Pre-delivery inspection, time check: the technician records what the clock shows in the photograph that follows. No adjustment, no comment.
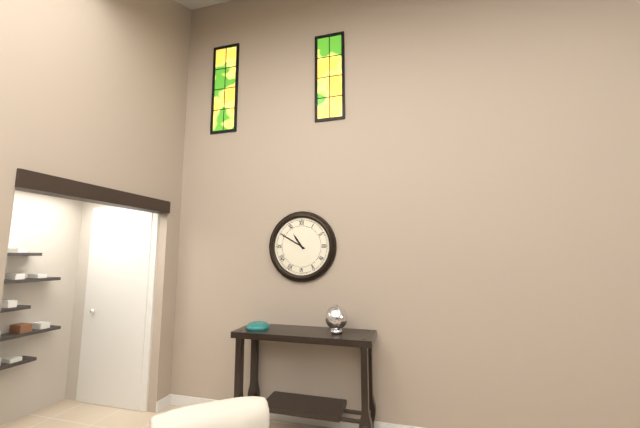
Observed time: 10:50
